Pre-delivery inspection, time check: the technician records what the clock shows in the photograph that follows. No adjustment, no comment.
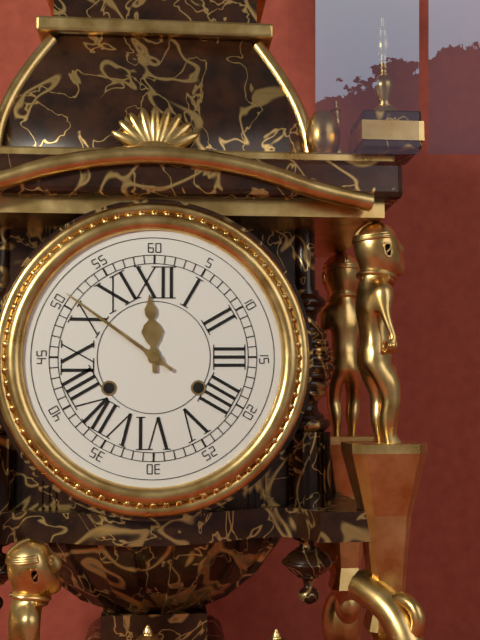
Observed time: 11:51
